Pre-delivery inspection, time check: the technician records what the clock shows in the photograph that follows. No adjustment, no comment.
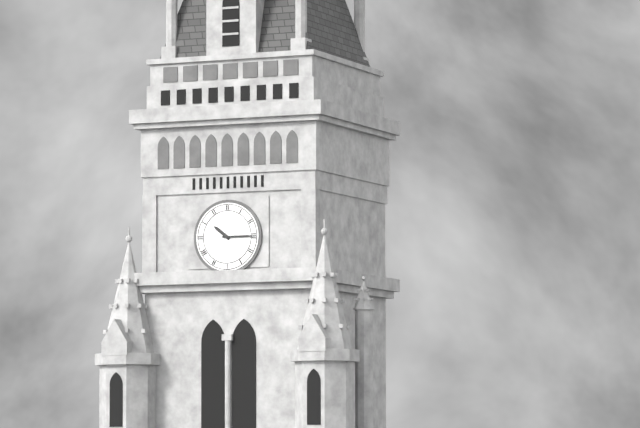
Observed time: 10:15
